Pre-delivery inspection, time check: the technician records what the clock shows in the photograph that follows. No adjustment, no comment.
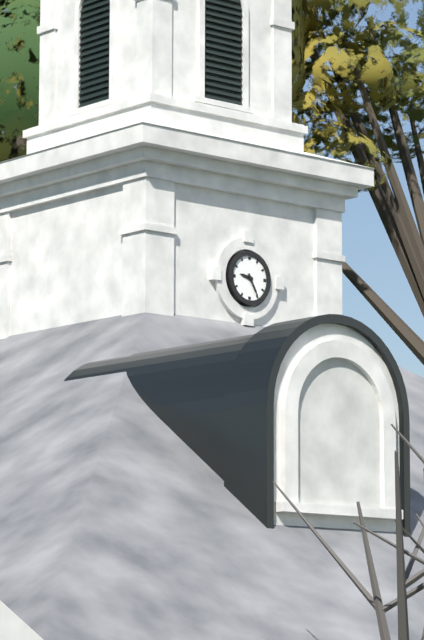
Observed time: 9:25
